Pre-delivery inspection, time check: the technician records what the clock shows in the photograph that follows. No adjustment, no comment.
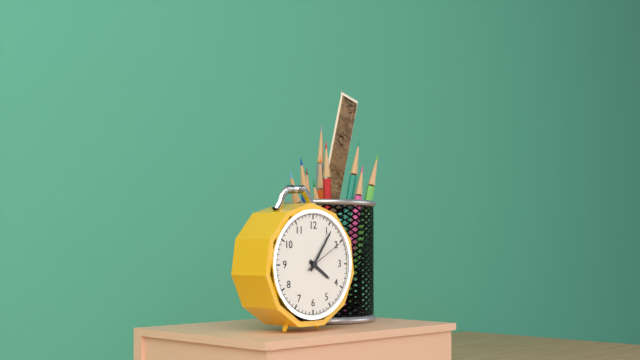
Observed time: 4:06
